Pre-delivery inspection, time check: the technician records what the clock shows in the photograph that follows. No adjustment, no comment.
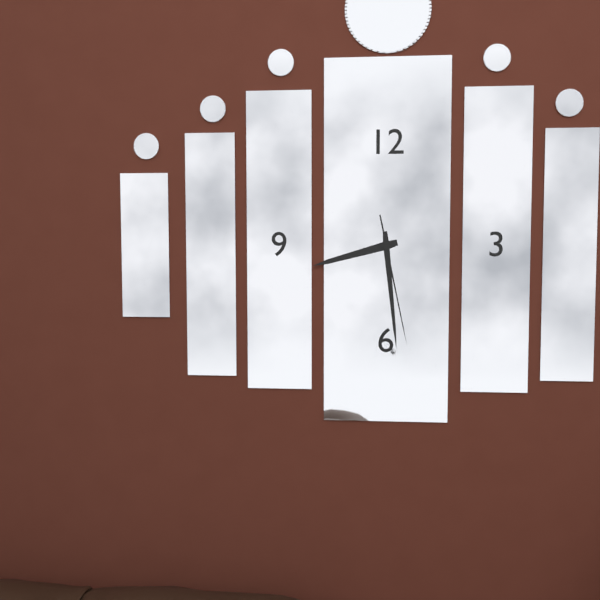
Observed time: 8:29:28
